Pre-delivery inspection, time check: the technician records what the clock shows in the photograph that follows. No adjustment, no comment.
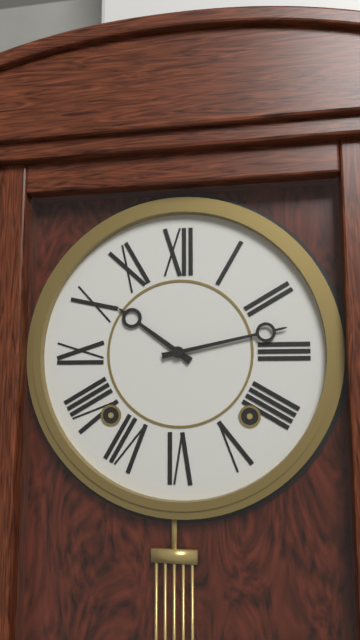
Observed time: 10:13
